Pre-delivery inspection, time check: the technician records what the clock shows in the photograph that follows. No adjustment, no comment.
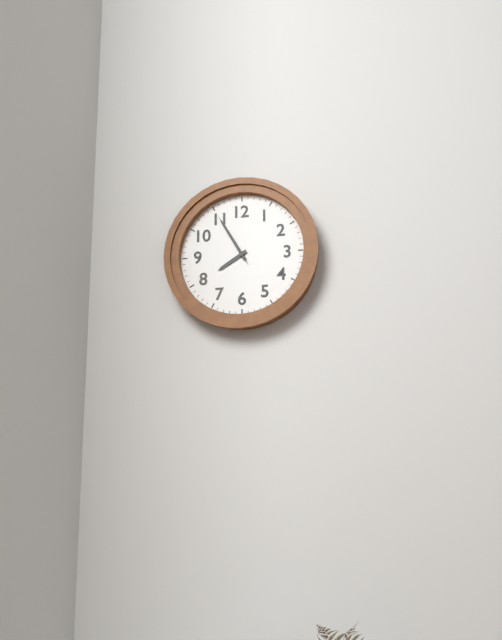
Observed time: 7:55:55
